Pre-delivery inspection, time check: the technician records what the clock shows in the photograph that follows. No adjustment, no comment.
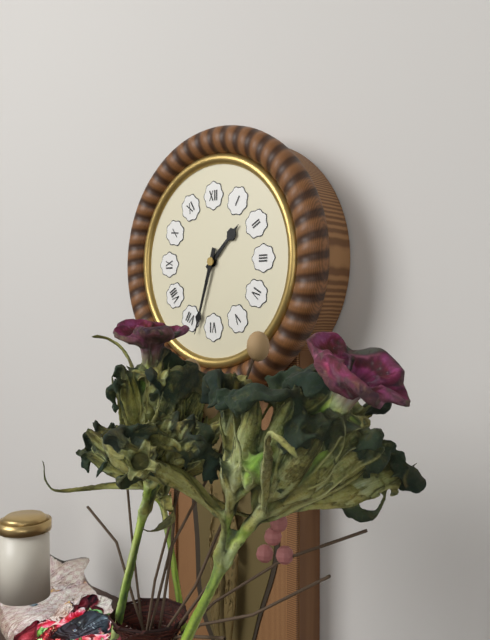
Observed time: 1:33
